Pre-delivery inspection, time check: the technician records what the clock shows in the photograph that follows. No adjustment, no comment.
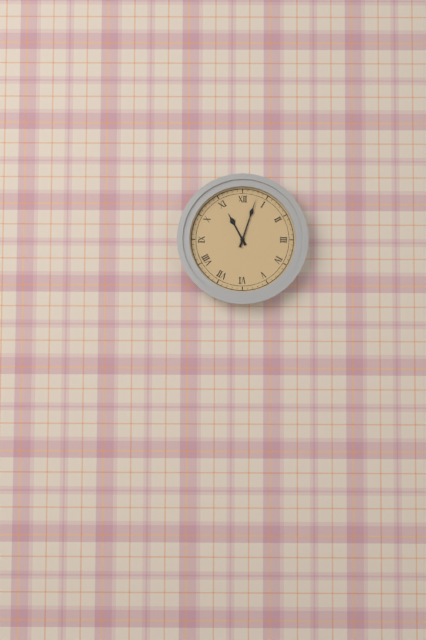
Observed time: 11:03
